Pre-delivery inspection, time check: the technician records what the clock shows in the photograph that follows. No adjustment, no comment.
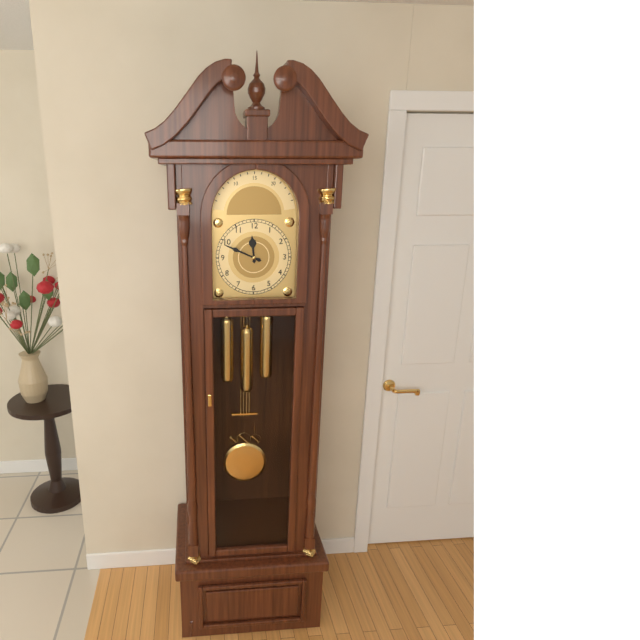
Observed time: 11:49
